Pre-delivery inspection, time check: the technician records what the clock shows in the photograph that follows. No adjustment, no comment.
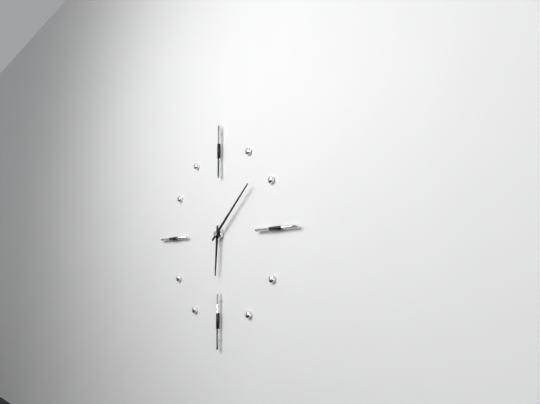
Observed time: 6:08
